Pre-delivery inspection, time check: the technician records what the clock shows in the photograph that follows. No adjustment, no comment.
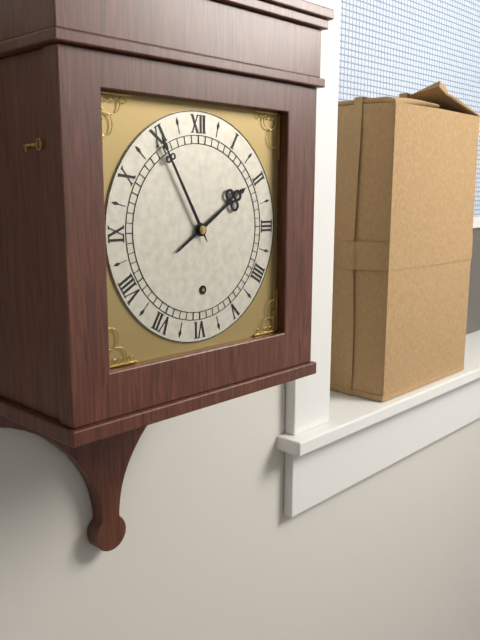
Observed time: 1:55
